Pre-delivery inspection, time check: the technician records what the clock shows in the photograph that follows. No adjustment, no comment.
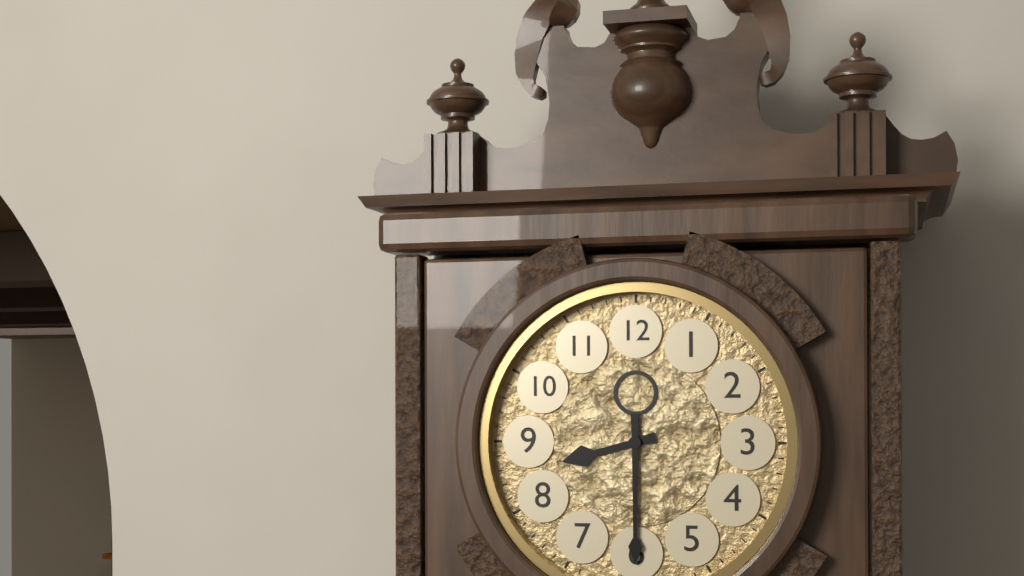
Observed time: 8:30
